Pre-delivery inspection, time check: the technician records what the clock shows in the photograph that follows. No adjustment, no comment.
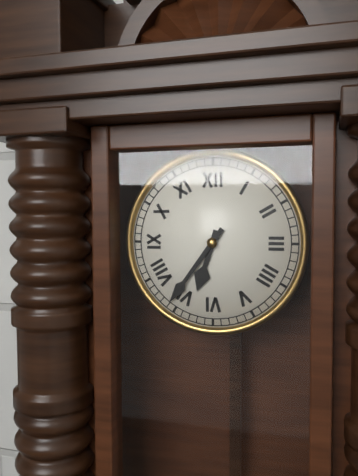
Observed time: 6:36
